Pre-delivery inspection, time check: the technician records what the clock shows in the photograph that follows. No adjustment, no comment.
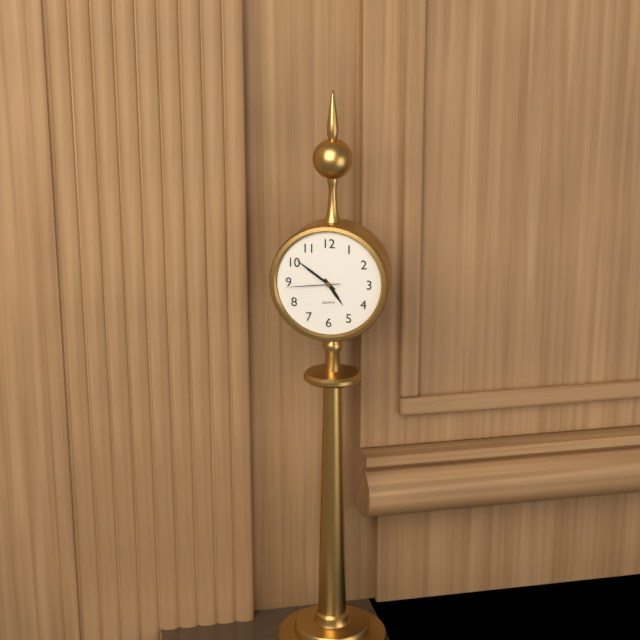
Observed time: 4:51:44
